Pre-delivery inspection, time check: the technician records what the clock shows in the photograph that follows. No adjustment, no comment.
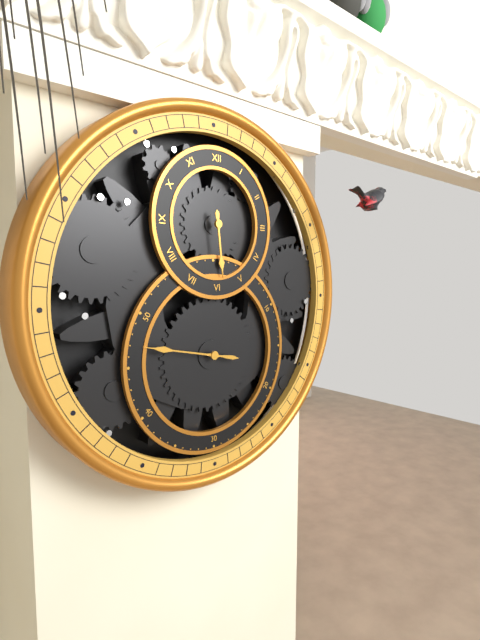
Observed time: 5:47
